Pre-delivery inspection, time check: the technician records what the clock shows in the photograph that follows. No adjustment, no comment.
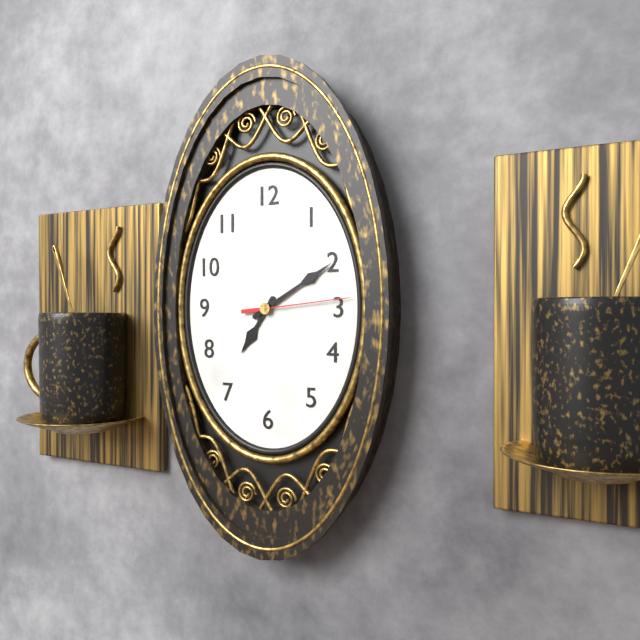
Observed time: 7:10:14
